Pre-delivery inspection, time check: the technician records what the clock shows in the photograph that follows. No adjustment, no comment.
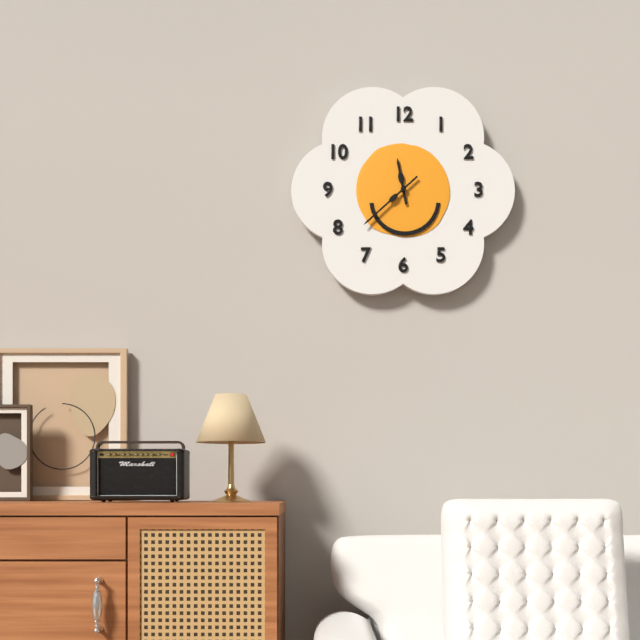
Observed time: 11:38
